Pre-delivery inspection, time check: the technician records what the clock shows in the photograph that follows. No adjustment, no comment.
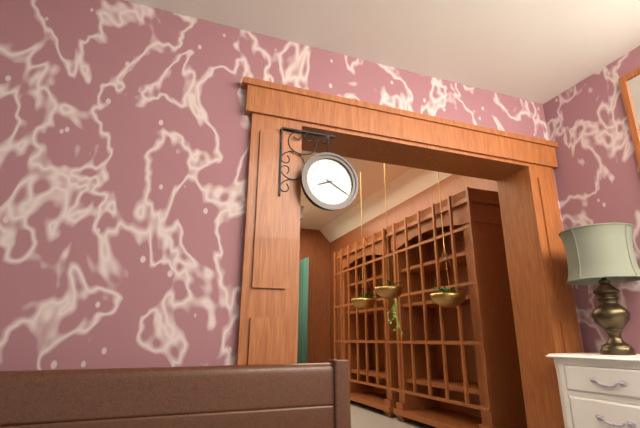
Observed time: 8:20
